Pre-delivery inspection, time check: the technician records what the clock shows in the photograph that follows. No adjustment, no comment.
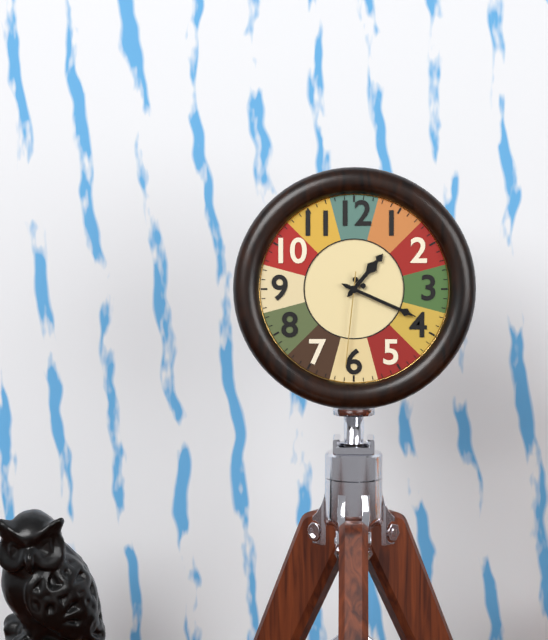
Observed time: 1:19:31
